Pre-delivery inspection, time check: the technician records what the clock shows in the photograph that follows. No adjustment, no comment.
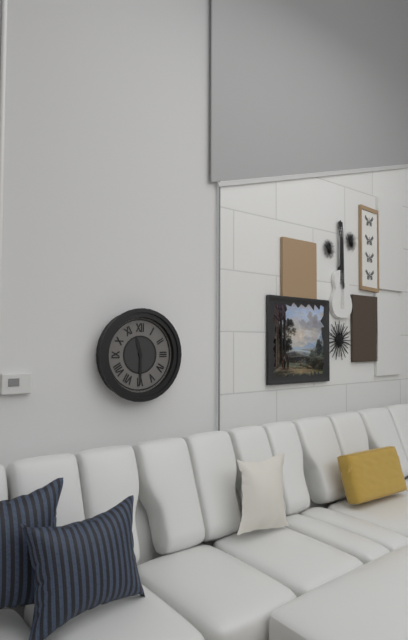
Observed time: 11:30
